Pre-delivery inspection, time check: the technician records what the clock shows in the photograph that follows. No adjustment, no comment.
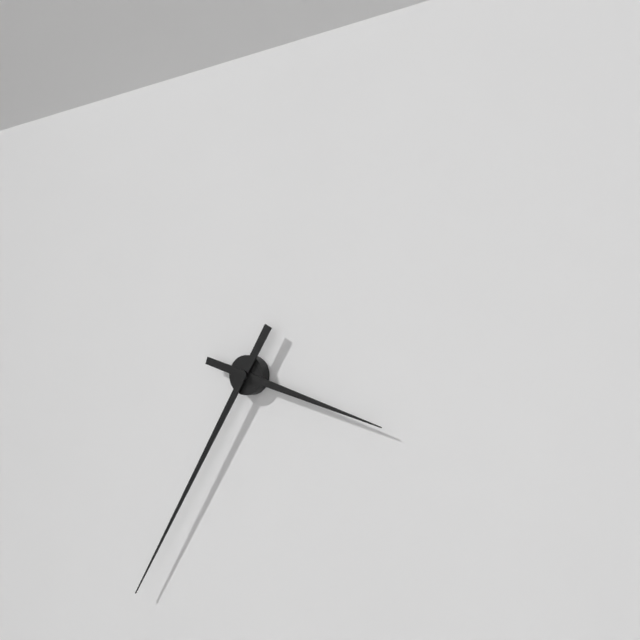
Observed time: 3:35
